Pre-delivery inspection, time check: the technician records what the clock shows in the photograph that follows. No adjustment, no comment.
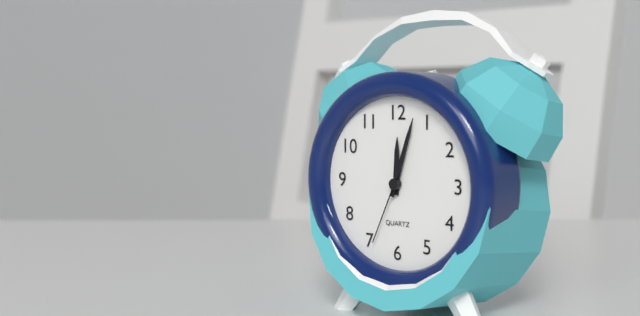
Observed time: 12:03:34
